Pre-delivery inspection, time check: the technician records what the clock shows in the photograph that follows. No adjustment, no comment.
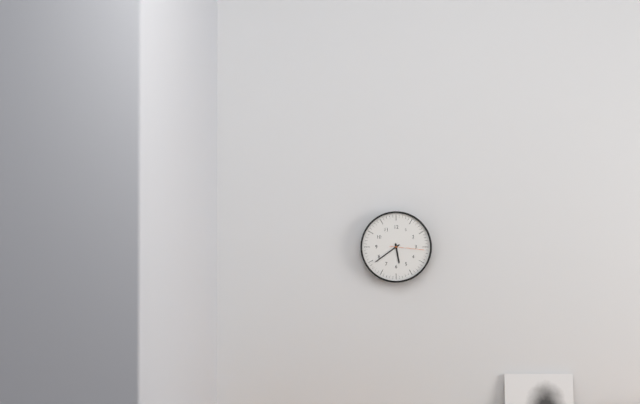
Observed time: 5:39
